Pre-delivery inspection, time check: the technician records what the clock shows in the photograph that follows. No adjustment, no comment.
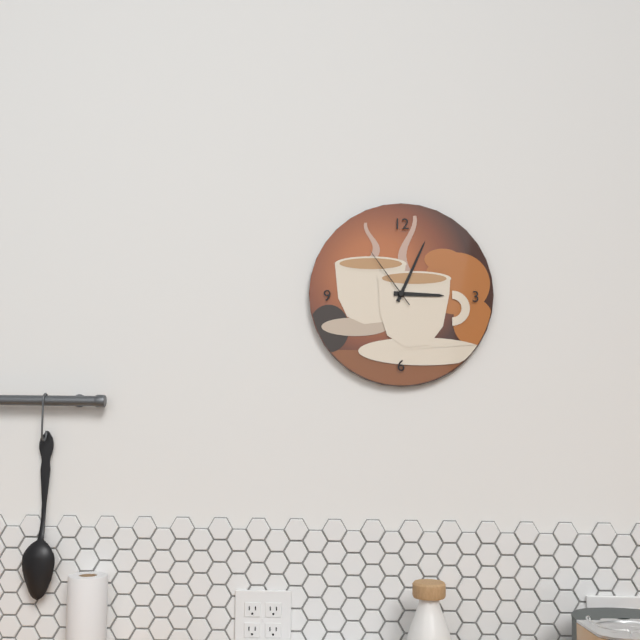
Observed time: 3:04:54
